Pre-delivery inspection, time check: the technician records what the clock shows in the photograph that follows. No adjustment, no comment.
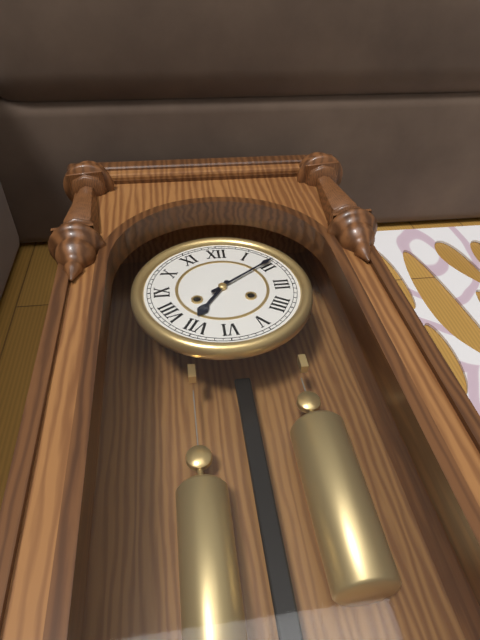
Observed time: 7:09
